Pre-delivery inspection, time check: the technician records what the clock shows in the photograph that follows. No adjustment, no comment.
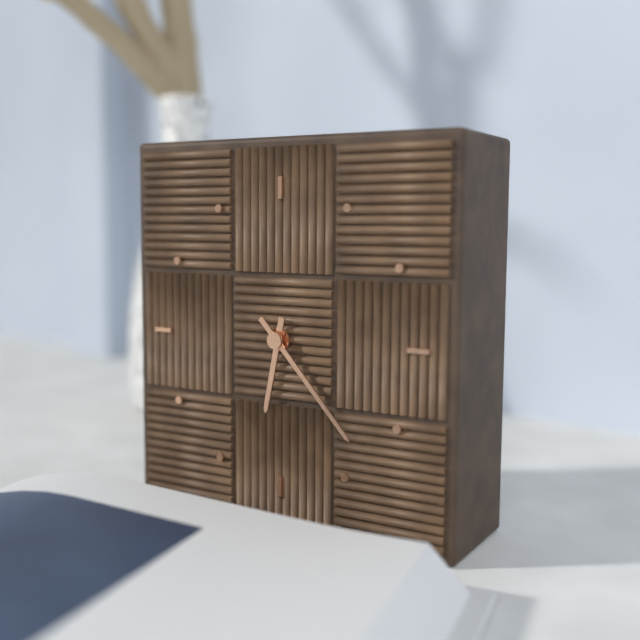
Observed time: 6:23
